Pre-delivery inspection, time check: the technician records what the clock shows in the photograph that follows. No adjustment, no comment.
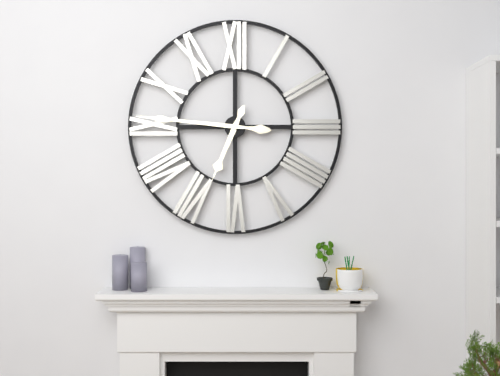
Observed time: 6:46
